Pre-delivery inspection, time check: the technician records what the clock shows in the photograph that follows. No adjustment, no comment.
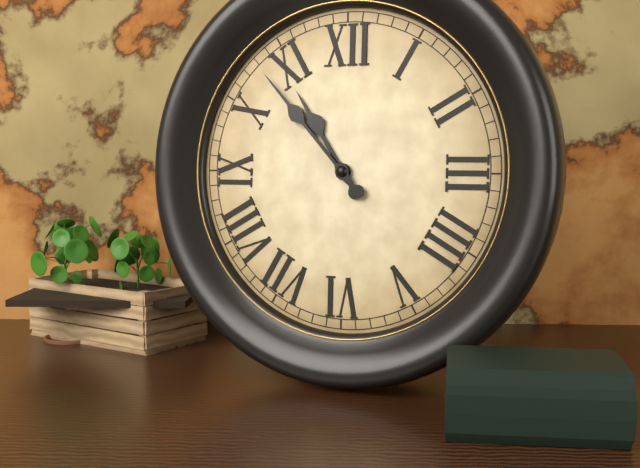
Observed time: 10:53
